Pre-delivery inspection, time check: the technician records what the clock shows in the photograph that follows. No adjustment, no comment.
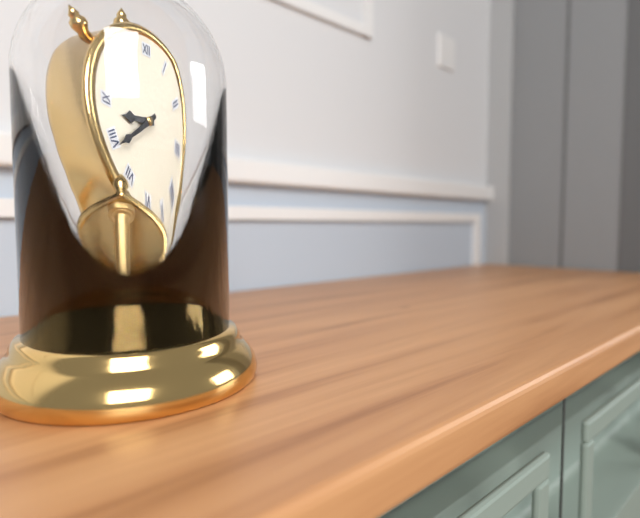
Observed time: 8:39
